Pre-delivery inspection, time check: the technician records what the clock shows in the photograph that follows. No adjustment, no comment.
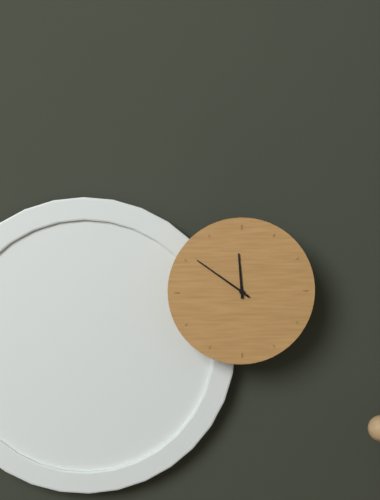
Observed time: 11:51
